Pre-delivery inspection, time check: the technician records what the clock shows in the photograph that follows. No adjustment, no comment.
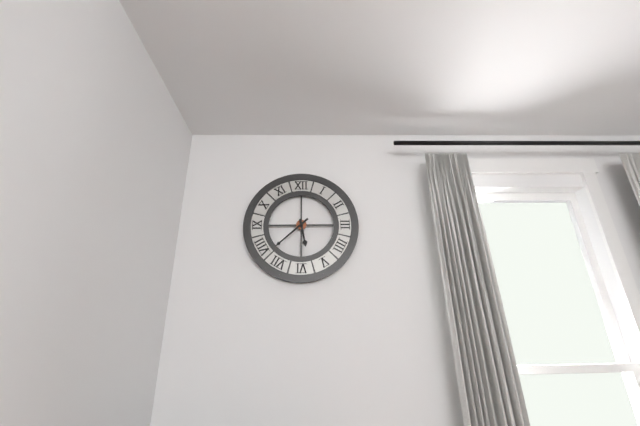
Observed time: 5:38
